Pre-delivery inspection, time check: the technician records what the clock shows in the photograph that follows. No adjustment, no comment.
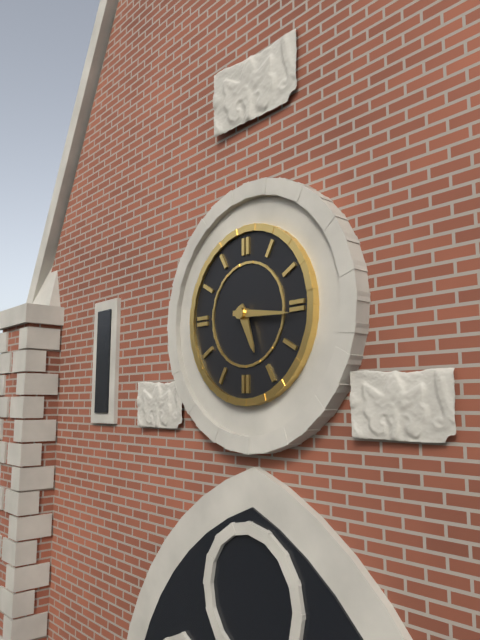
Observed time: 5:16
